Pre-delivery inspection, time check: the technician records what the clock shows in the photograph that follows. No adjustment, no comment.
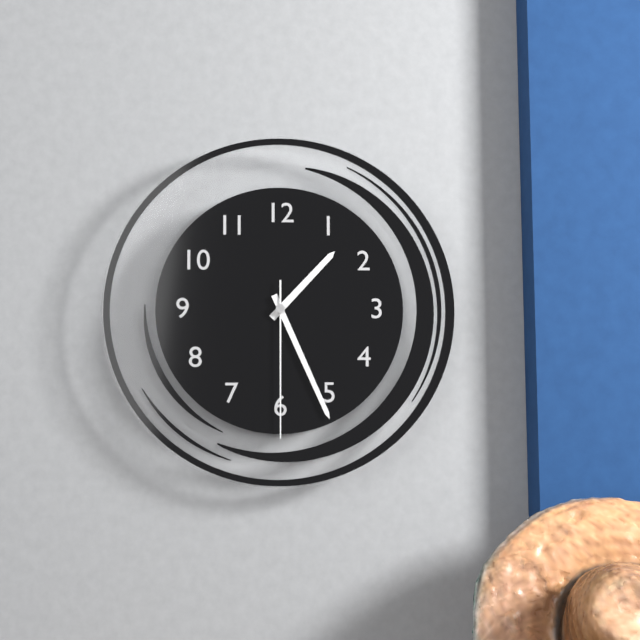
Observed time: 1:26:30
